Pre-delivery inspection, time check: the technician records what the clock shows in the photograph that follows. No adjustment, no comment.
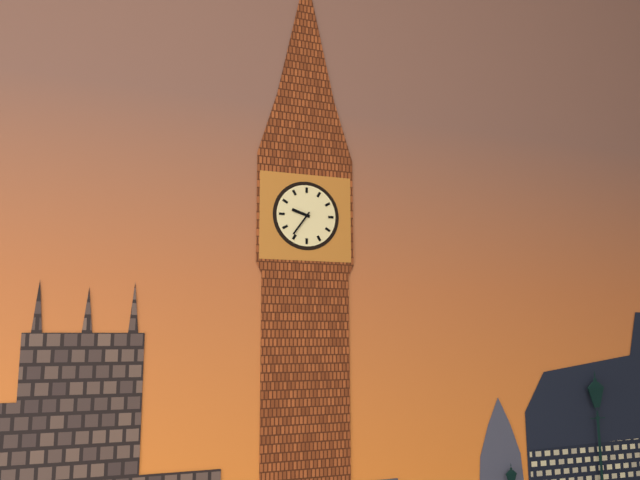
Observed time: 9:36
